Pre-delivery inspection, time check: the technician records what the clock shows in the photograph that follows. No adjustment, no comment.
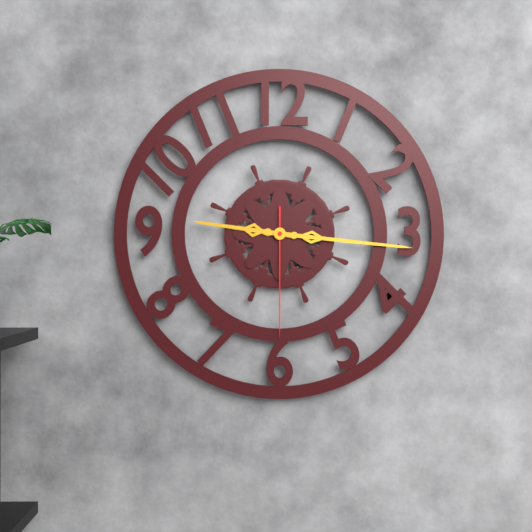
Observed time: 9:16:30
